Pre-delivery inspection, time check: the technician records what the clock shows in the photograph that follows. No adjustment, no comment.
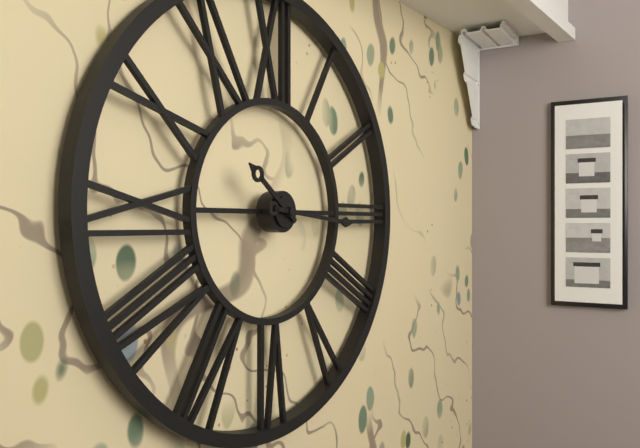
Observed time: 10:16
